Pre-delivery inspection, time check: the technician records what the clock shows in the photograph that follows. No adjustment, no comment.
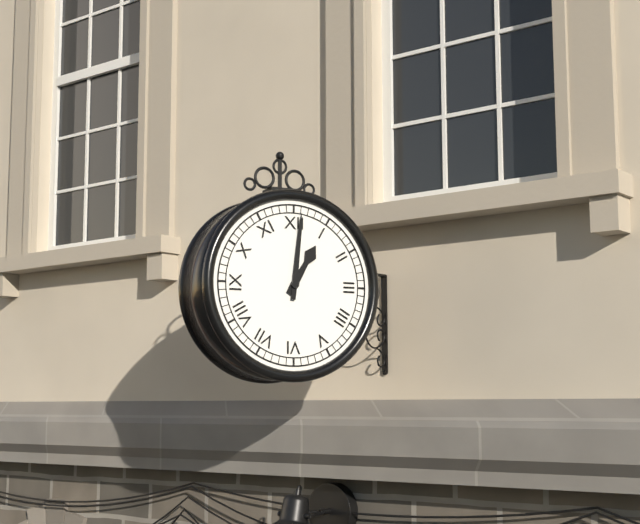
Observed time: 1:01
